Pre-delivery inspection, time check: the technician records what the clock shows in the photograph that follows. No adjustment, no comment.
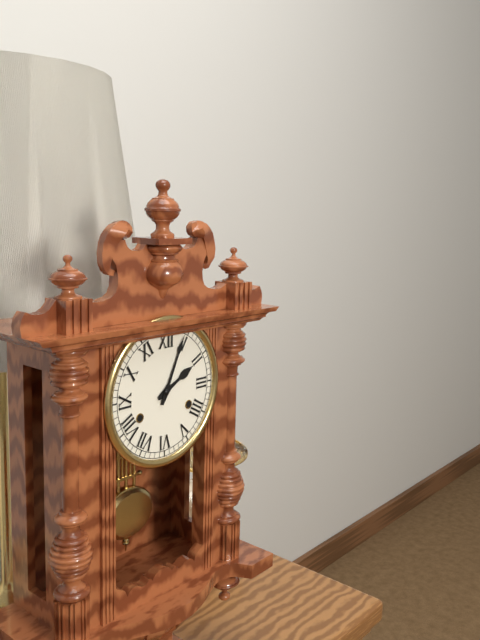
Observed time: 2:04
